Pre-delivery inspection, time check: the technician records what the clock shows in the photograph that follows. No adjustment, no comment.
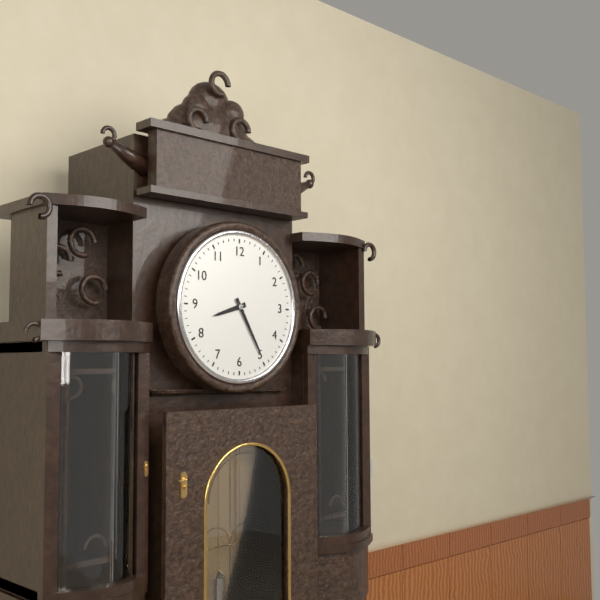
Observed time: 8:25
